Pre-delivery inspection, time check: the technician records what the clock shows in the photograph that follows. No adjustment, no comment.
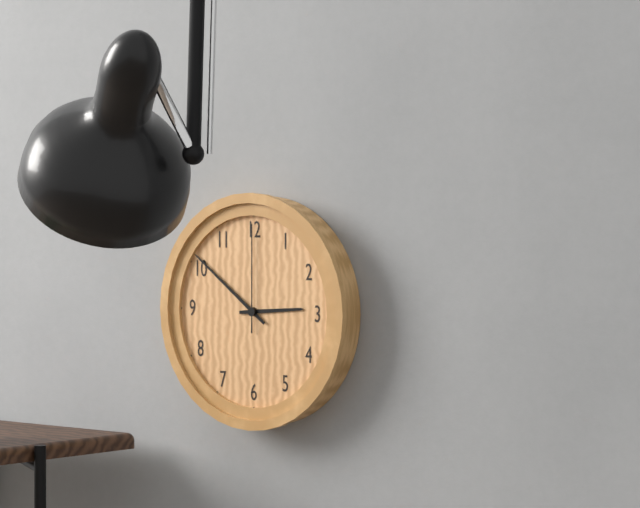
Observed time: 2:51:00
